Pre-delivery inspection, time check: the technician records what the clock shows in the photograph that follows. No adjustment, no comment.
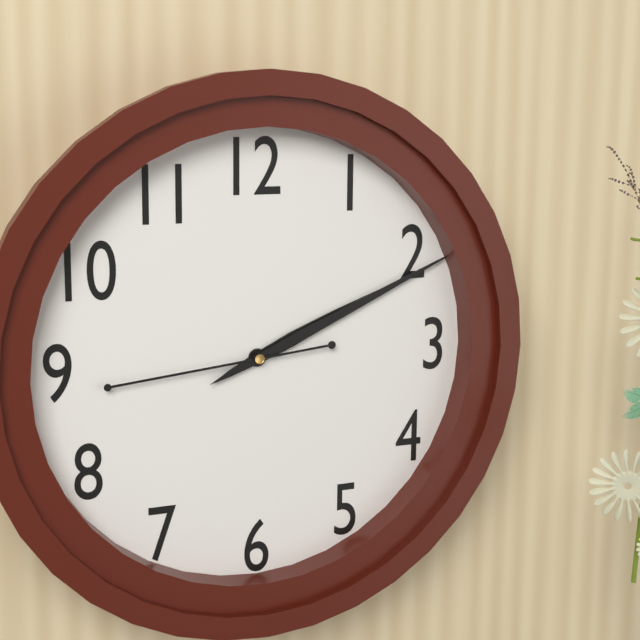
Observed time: 2:11:44
